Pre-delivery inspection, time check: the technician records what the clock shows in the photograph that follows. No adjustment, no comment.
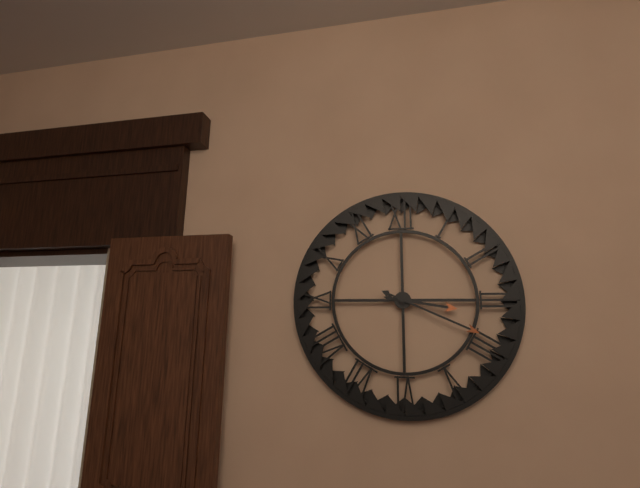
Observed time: 3:19
